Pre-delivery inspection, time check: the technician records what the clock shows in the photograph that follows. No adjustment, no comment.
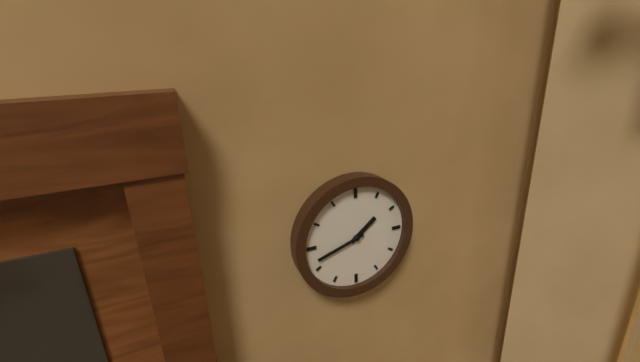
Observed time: 1:42
